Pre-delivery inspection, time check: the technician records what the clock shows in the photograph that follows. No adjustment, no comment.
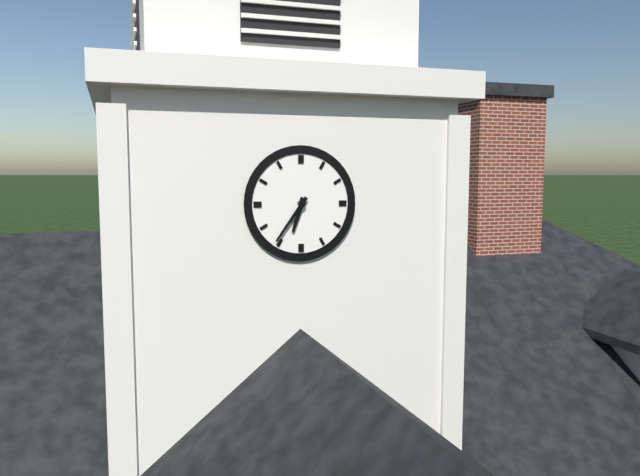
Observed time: 6:36
